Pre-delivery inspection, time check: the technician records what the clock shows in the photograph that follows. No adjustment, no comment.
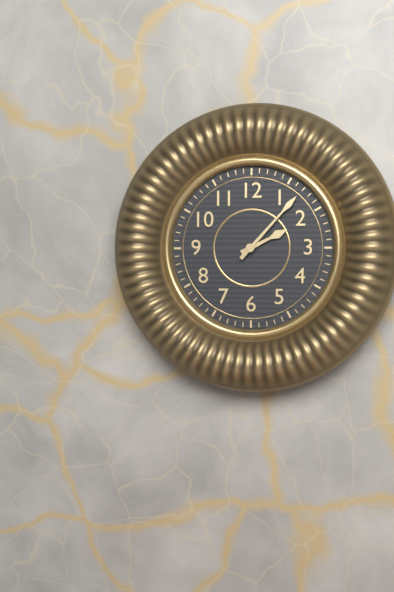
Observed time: 2:07
